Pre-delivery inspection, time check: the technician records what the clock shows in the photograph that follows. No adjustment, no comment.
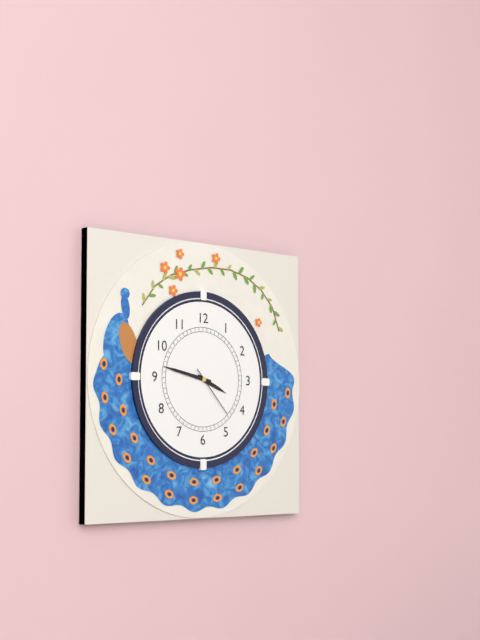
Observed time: 3:47:23
